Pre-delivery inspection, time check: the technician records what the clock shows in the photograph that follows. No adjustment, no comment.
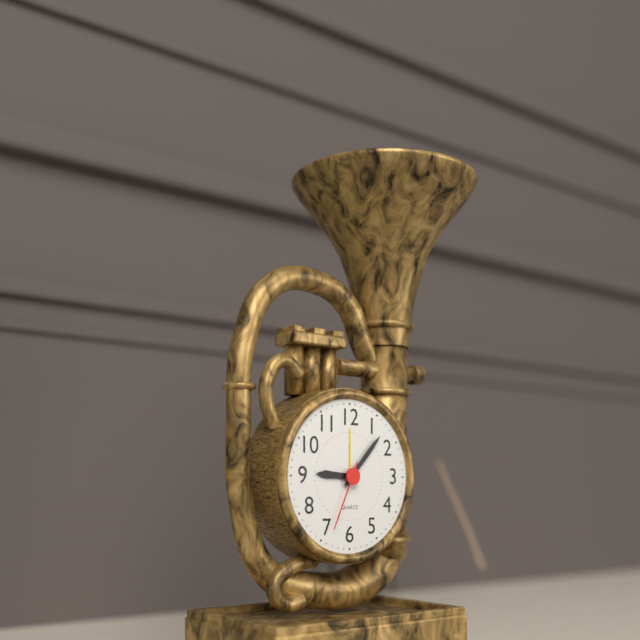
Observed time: 9:07:34
